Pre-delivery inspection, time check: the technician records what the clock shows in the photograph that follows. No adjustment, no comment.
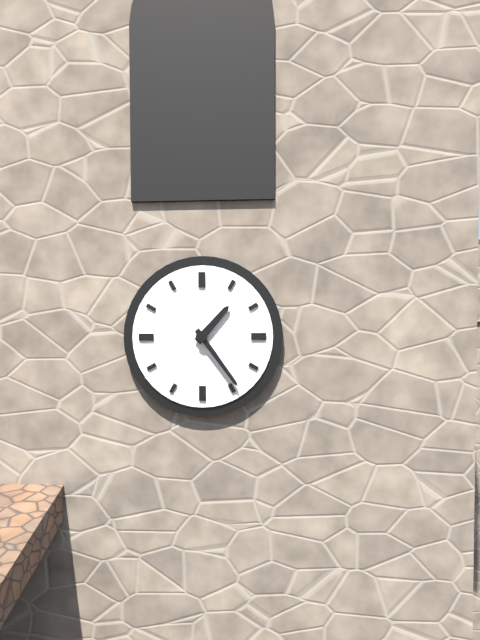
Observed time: 1:24
